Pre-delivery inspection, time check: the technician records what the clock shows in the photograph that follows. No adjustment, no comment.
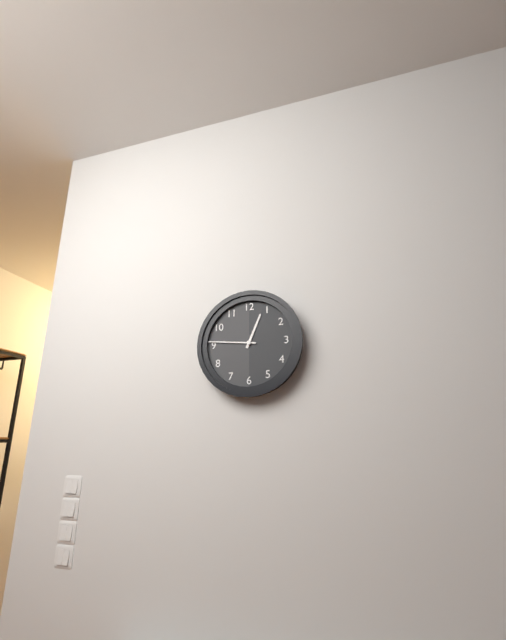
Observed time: 12:46
